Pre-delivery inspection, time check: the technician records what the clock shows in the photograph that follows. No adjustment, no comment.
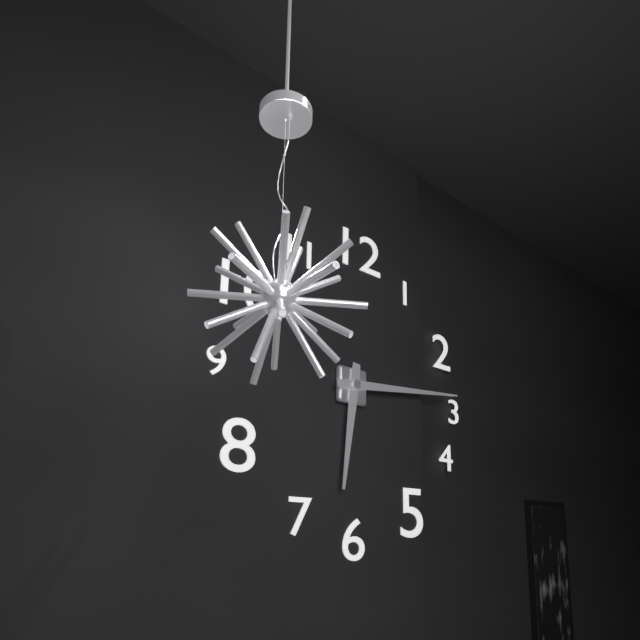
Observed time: 6:14
